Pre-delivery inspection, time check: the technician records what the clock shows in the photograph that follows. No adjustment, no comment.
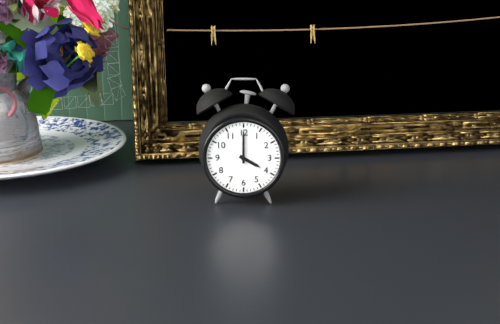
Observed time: 4:00
